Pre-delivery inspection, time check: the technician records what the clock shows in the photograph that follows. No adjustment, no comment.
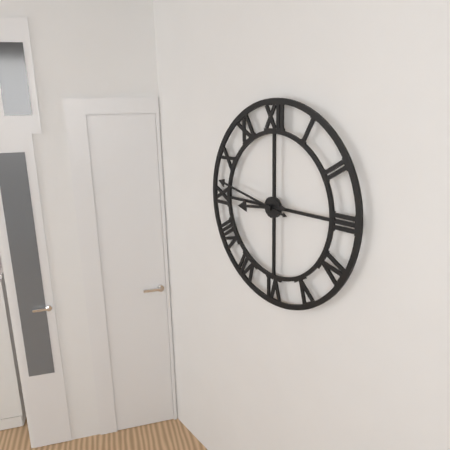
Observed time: 8:47
